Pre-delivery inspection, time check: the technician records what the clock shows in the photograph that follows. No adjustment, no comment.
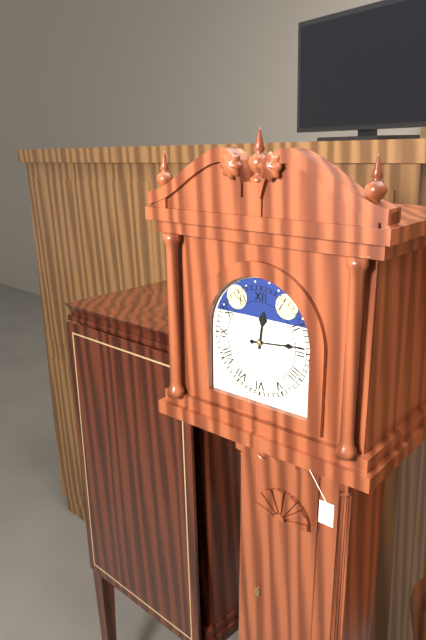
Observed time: 12:14
